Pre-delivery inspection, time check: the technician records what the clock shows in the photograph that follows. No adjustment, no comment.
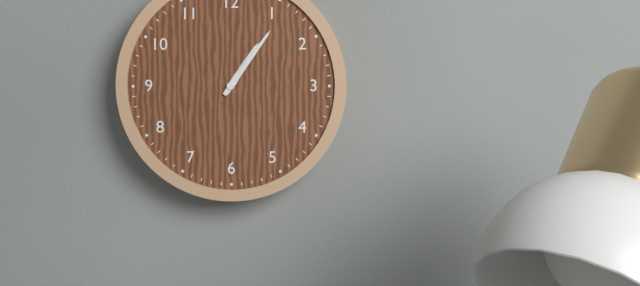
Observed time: 1:06
